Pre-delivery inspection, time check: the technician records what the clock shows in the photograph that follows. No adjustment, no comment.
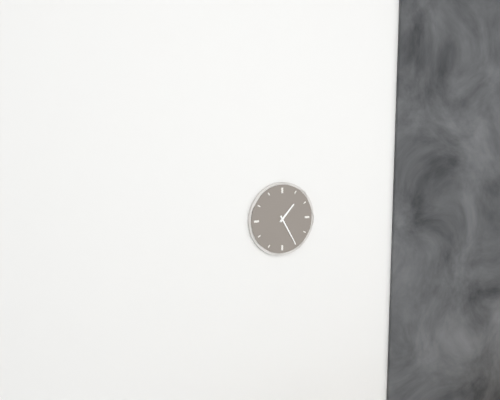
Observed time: 1:25
